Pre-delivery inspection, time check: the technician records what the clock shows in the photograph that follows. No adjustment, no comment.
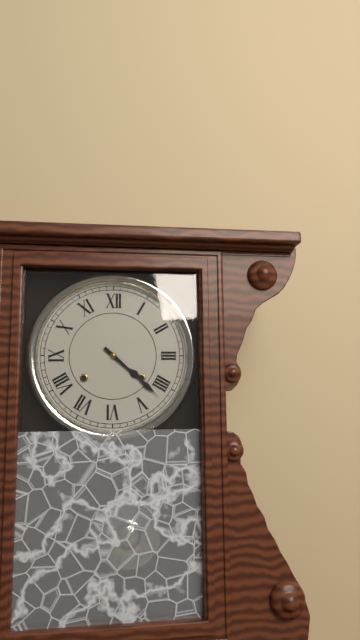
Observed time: 4:22
